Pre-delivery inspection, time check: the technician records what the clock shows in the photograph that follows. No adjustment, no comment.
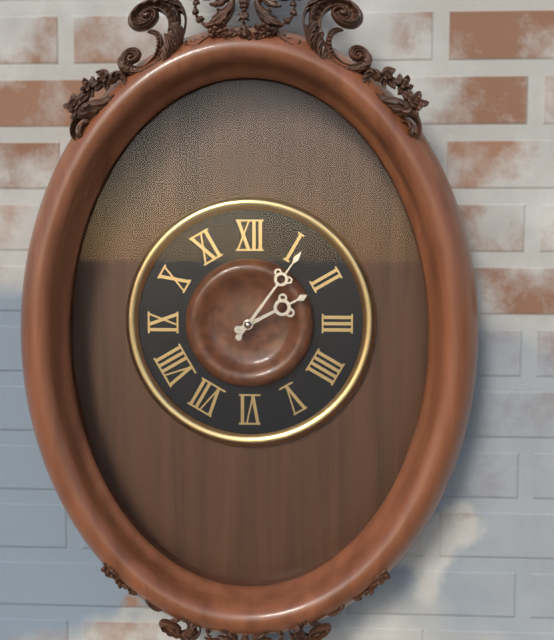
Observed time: 2:06
